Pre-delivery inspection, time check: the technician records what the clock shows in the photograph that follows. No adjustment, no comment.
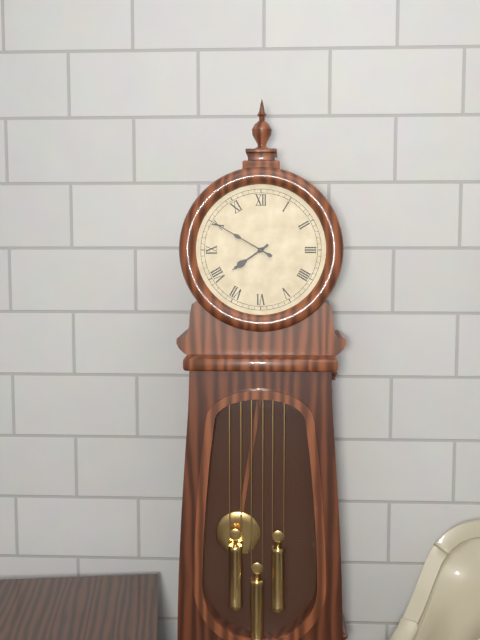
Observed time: 7:50
